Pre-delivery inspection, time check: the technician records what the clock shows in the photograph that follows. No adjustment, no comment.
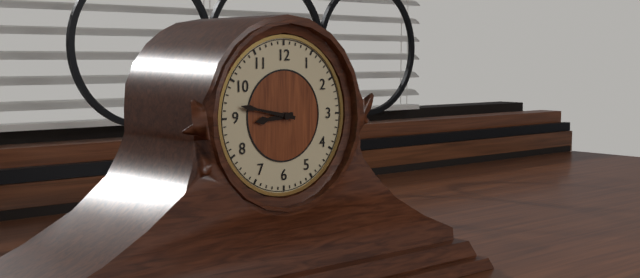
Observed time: 8:47
